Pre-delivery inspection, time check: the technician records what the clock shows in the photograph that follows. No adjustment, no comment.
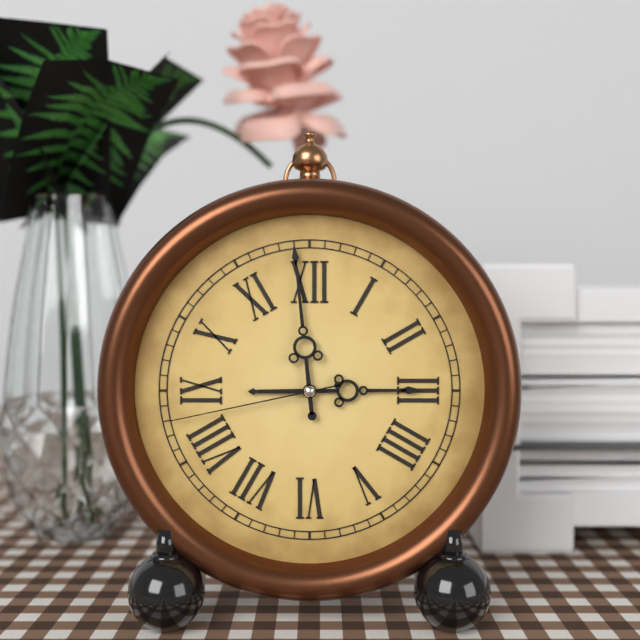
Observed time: 2:59:43
